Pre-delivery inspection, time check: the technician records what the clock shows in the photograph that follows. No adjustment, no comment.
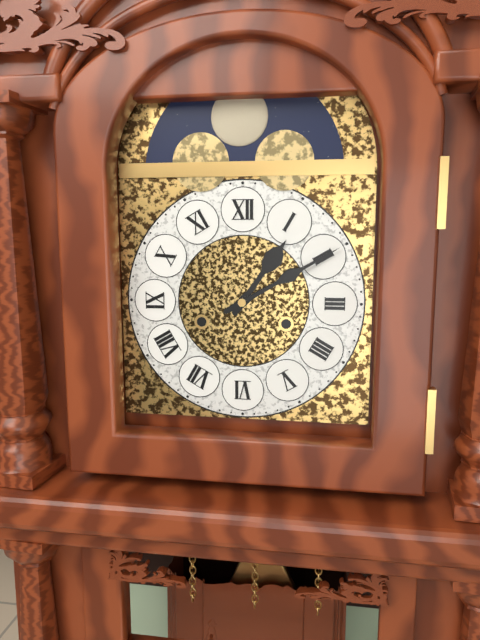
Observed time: 1:10
